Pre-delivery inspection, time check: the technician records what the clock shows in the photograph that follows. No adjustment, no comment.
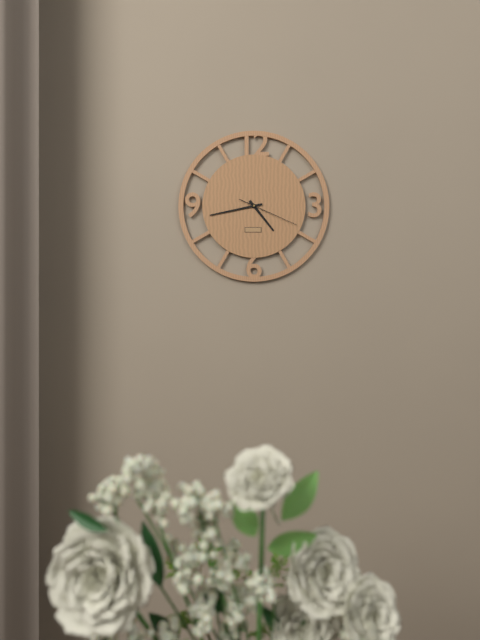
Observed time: 4:43:19
